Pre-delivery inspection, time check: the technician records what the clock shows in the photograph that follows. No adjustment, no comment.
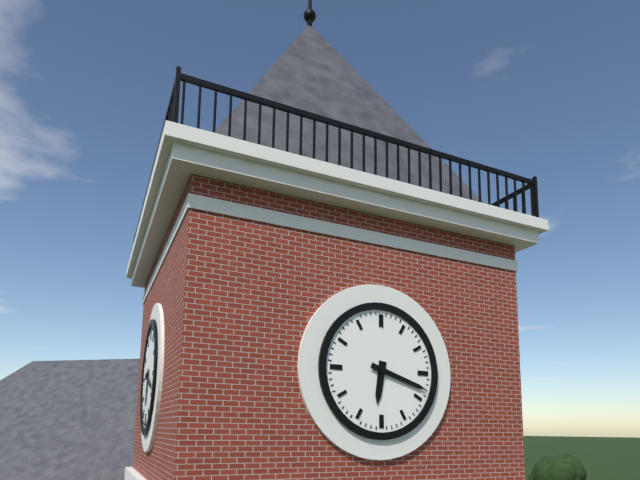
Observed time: 6:18
